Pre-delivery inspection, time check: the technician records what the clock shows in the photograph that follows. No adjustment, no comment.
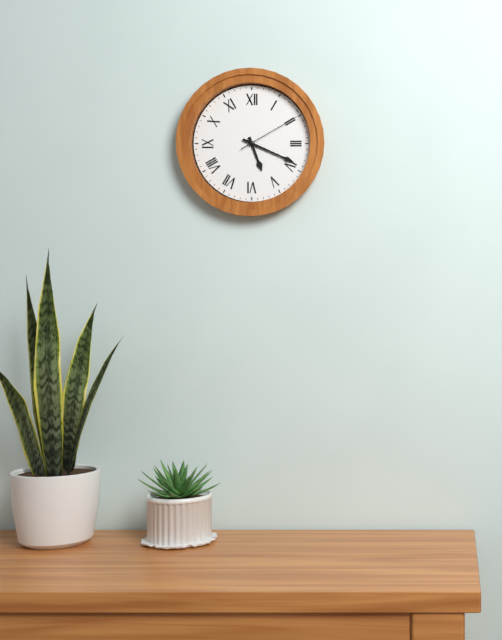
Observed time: 5:19:10
